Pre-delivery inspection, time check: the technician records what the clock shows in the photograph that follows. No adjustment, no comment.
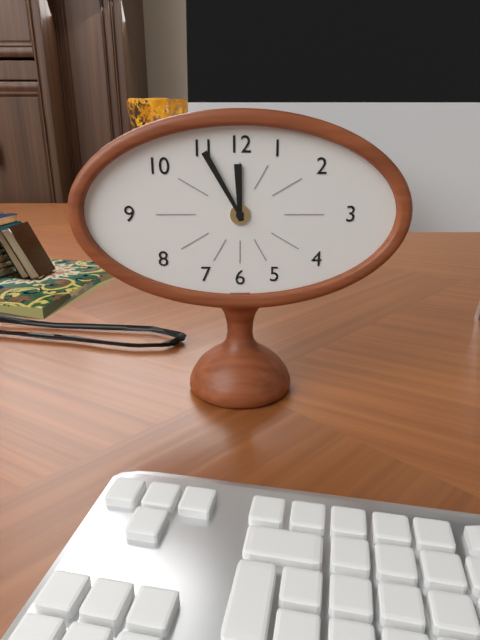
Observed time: 11:55
